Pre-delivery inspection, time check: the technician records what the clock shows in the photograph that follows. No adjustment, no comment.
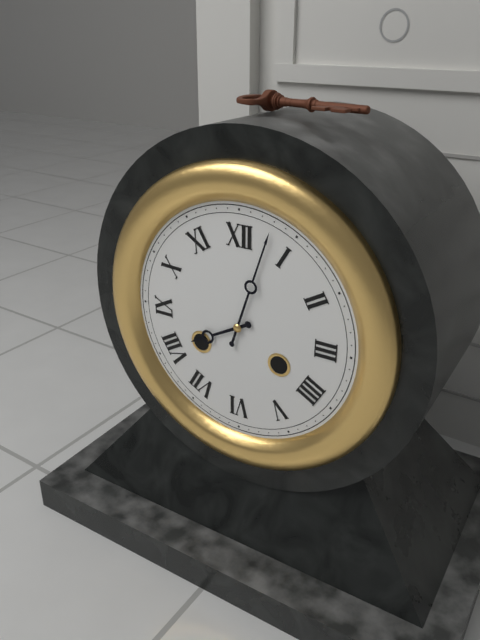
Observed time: 8:03
